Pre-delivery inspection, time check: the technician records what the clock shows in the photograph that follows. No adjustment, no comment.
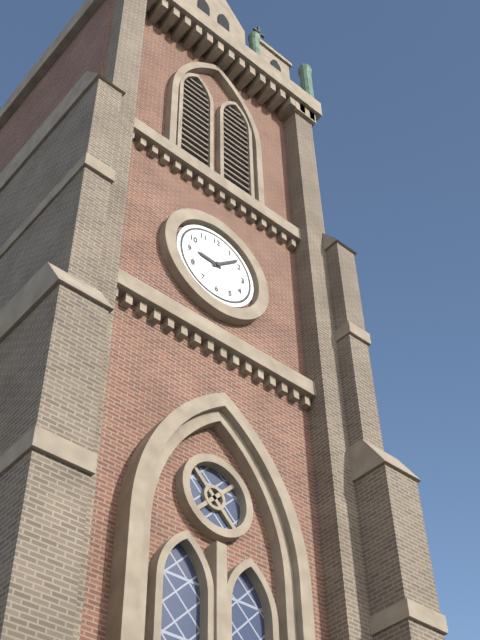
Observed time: 9:08
